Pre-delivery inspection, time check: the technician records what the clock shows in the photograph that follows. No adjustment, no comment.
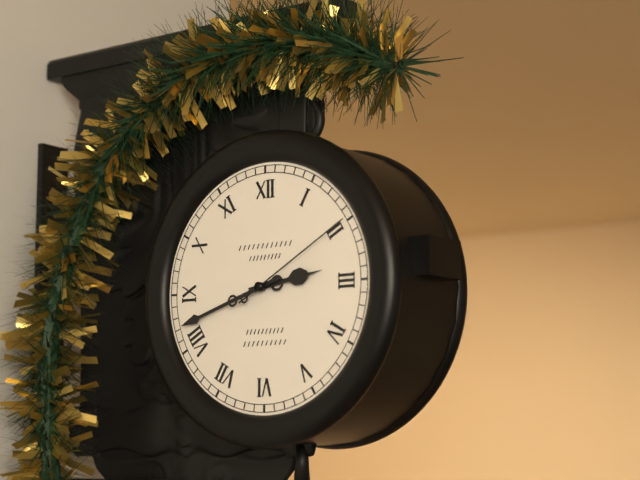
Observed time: 2:42:10
